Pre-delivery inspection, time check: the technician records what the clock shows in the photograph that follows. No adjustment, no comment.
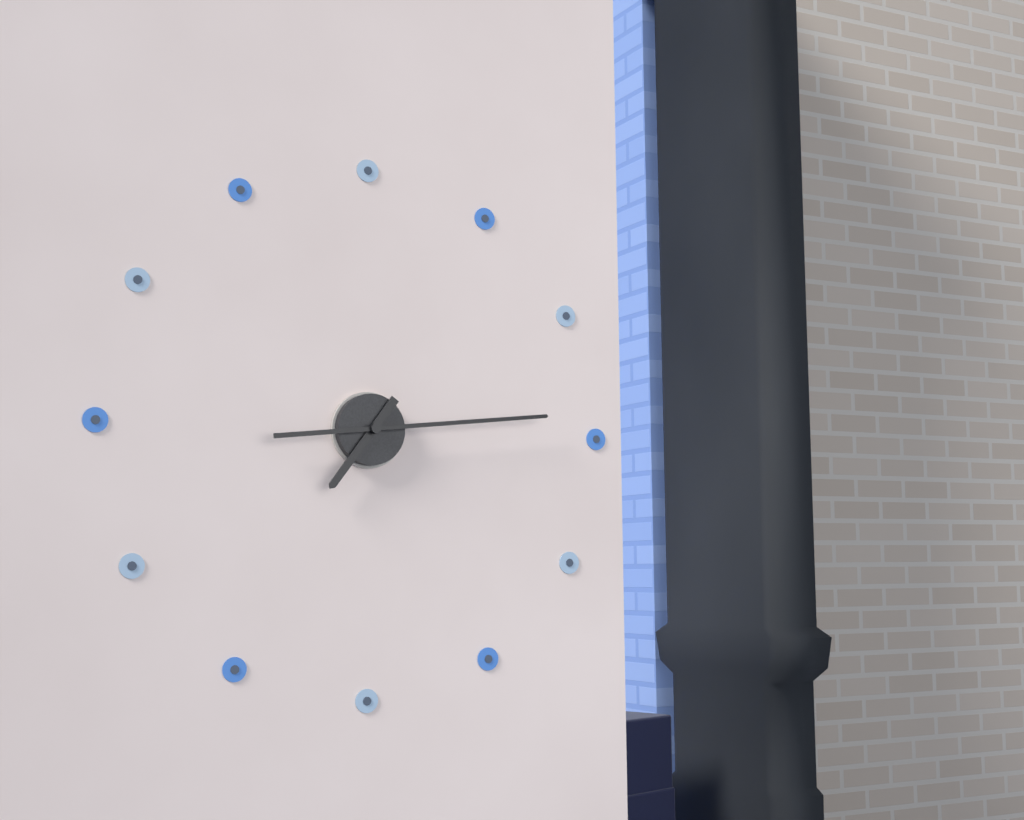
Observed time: 7:14
